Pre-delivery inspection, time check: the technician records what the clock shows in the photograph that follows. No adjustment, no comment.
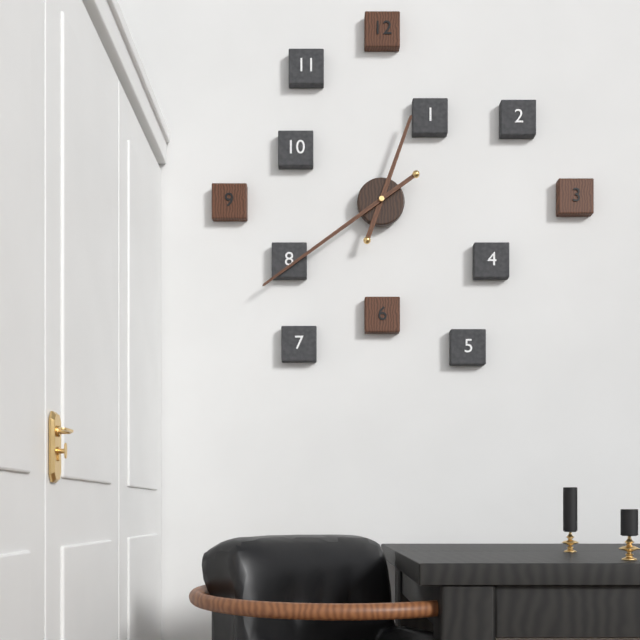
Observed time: 12:39
